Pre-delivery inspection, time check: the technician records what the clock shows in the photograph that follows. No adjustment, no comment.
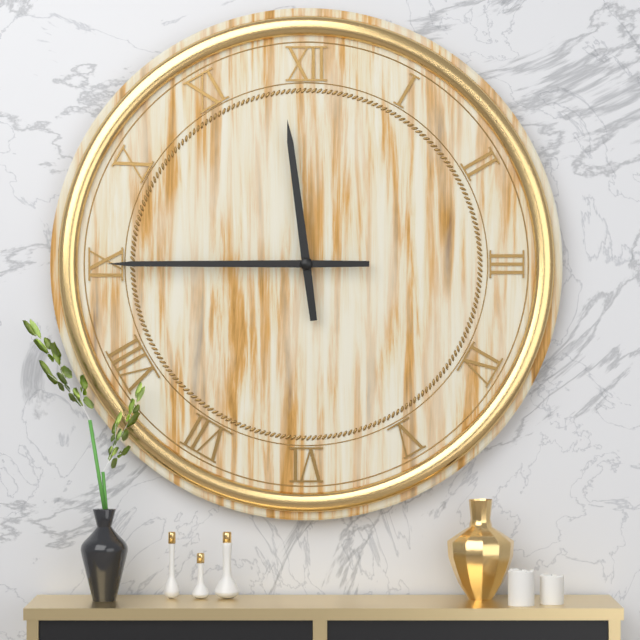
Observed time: 11:45
